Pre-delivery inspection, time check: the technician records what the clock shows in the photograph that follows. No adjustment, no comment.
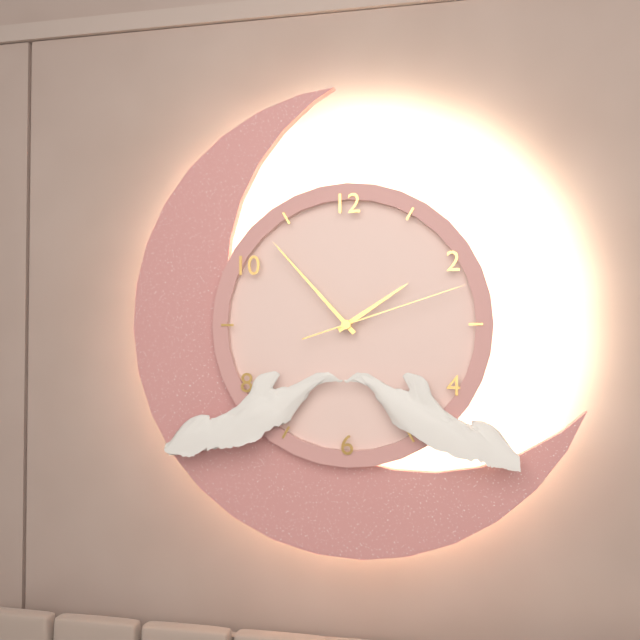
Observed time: 1:53:12
